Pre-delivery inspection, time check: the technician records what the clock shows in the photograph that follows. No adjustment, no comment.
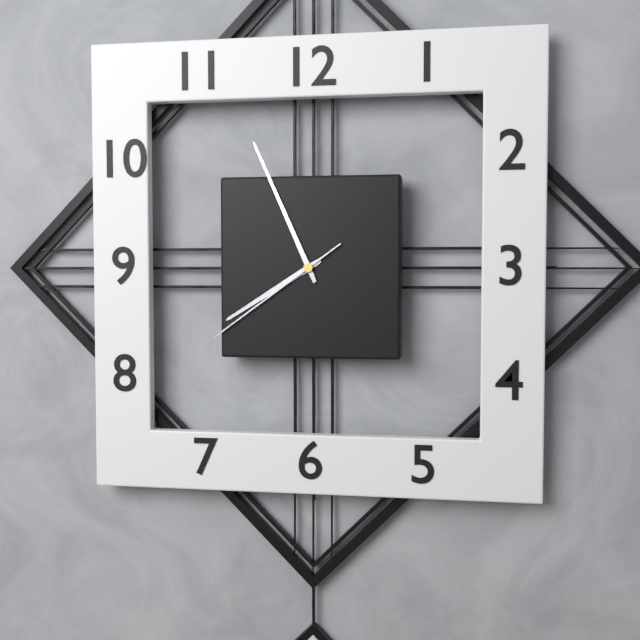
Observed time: 7:56:39
